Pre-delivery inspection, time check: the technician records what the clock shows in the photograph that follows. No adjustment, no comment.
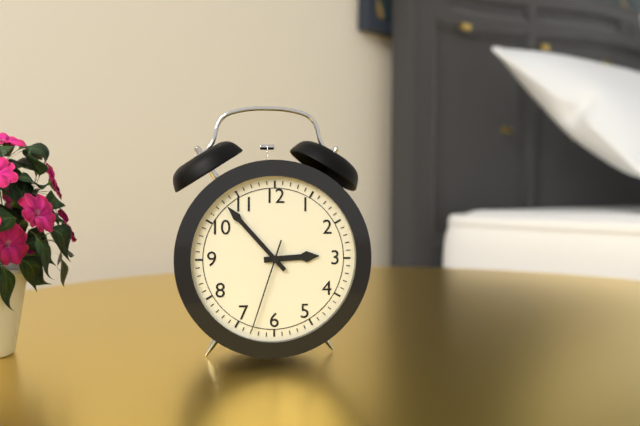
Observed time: 2:53:33
